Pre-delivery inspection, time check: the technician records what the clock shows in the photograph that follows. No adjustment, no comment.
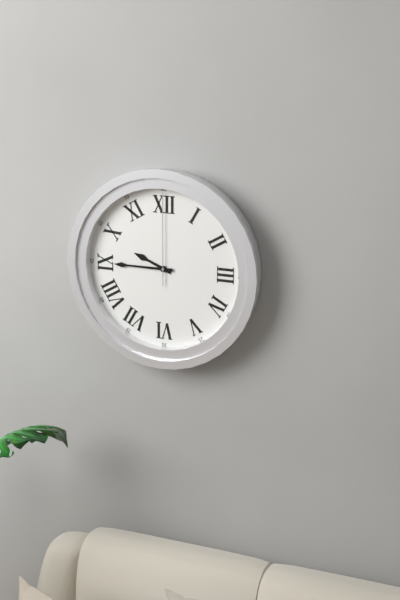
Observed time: 9:45:00
